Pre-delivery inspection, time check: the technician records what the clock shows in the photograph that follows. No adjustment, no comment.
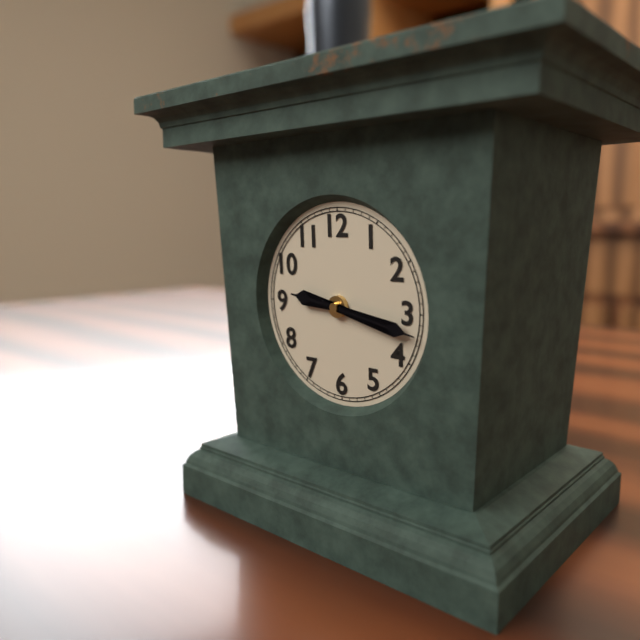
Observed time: 9:17
